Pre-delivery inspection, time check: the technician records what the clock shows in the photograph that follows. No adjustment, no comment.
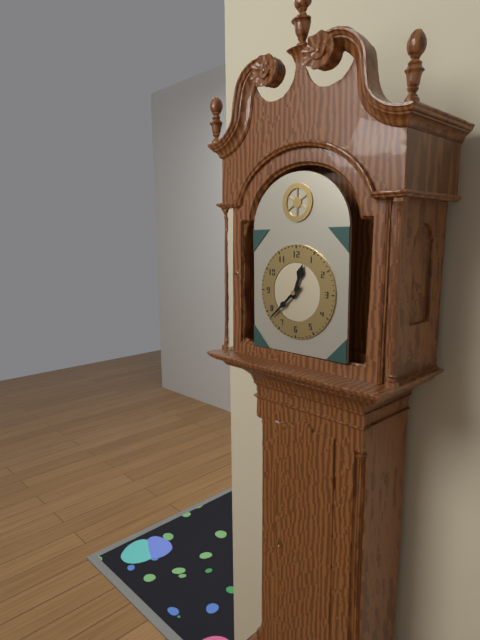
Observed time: 12:38
